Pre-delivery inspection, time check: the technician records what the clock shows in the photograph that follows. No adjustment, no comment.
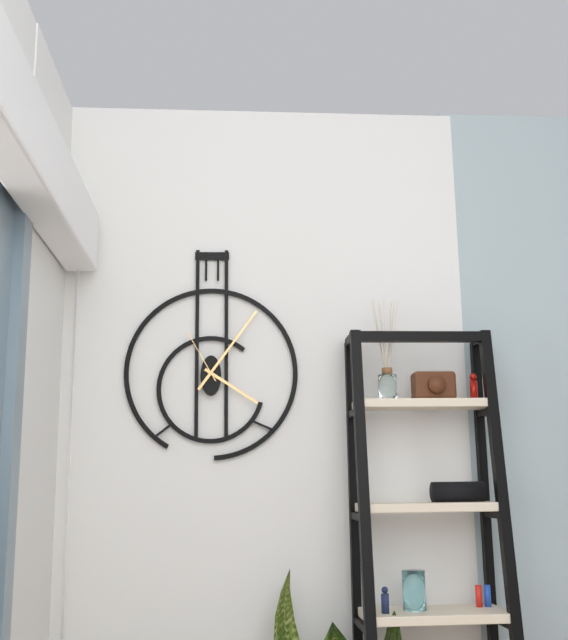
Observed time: 4:06:55
